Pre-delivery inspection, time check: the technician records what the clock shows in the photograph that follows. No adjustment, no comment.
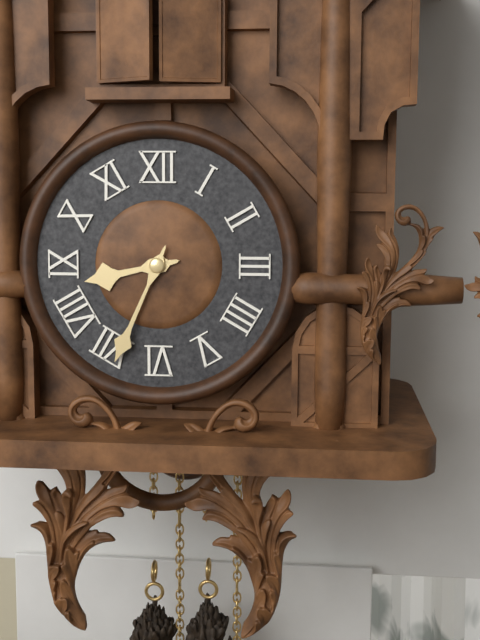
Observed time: 8:34
